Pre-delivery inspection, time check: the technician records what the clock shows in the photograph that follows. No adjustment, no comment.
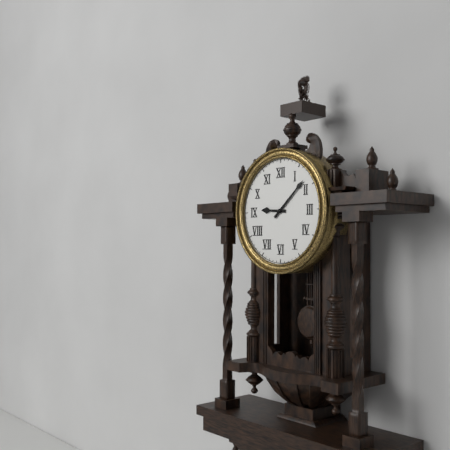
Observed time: 9:08
